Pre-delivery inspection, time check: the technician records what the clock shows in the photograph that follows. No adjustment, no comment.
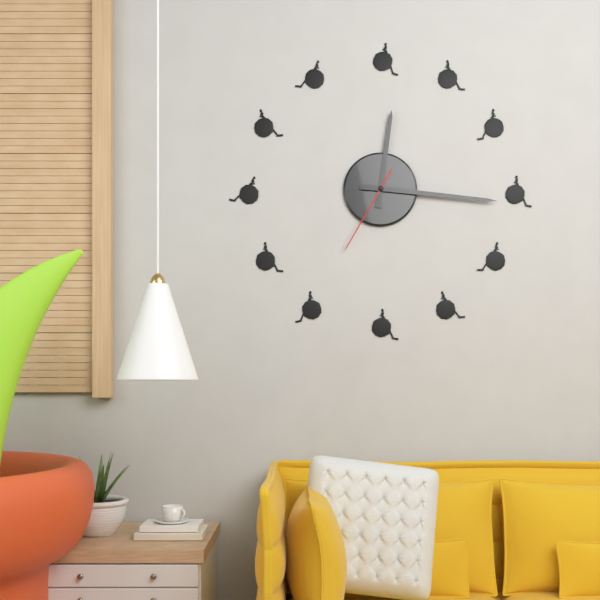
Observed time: 12:16:35
